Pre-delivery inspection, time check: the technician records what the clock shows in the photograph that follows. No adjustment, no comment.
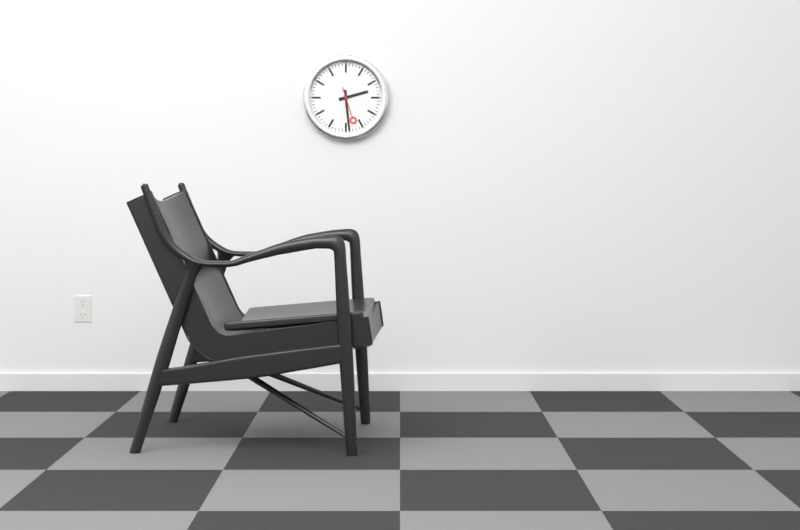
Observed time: 2:29
